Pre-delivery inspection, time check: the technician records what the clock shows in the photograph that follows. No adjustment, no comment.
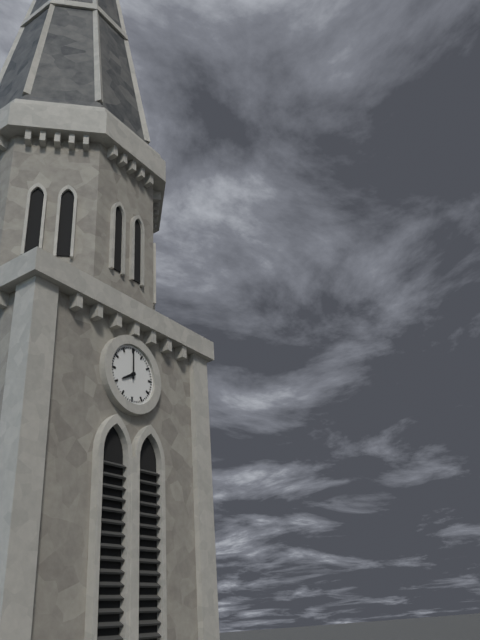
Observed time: 8:00
